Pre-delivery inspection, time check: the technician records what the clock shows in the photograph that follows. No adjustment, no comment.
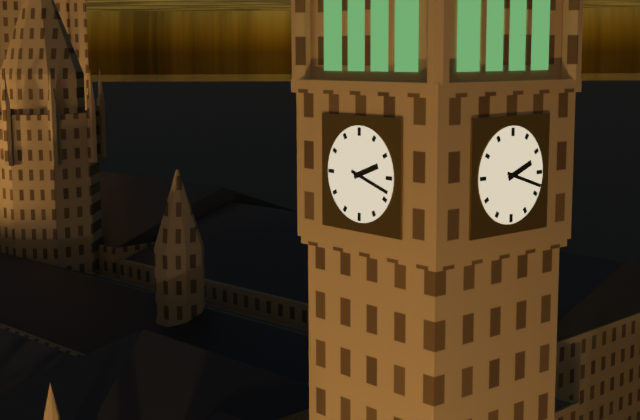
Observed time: 2:18
